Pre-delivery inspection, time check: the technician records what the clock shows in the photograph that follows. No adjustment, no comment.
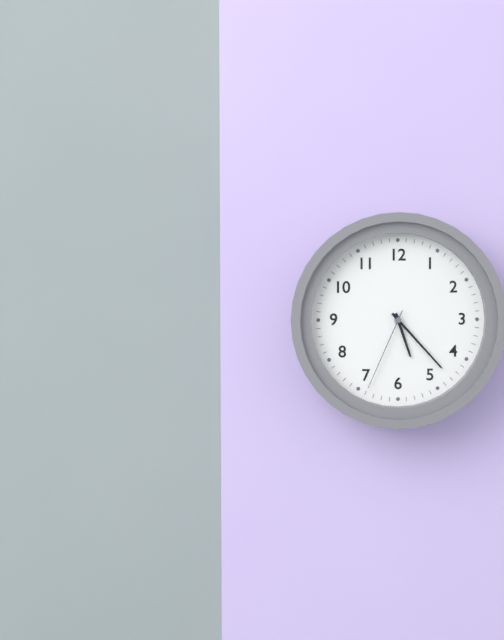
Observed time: 5:23:34
